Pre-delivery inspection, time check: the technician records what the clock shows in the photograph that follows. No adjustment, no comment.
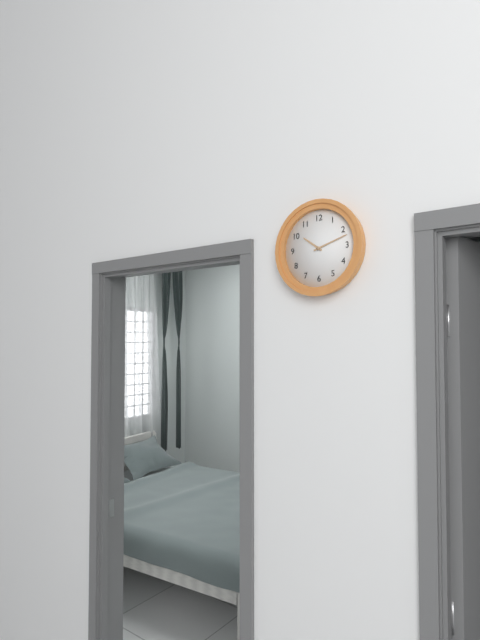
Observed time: 10:12
